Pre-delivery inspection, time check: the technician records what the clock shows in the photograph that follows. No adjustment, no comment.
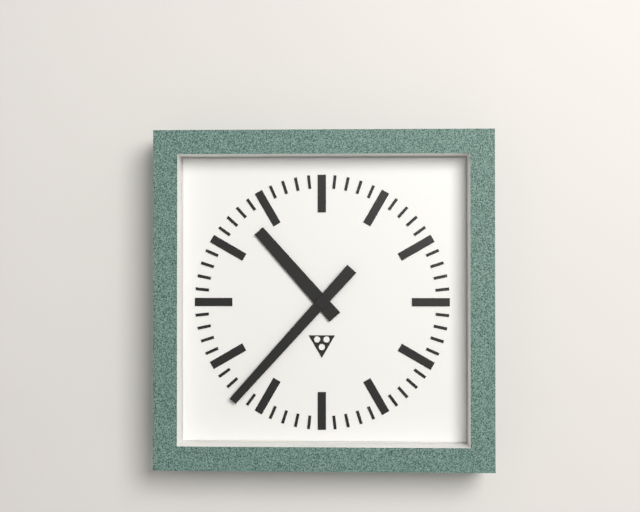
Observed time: 10:37
